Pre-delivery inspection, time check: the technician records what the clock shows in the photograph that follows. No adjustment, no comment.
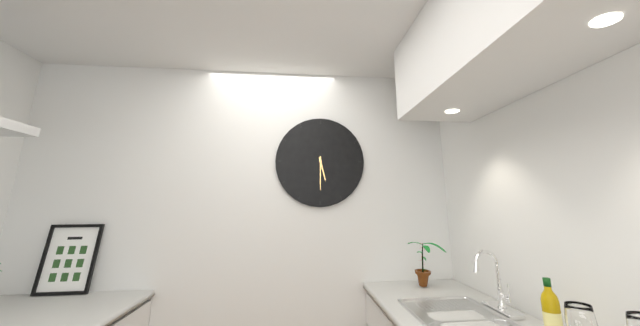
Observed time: 5:30
